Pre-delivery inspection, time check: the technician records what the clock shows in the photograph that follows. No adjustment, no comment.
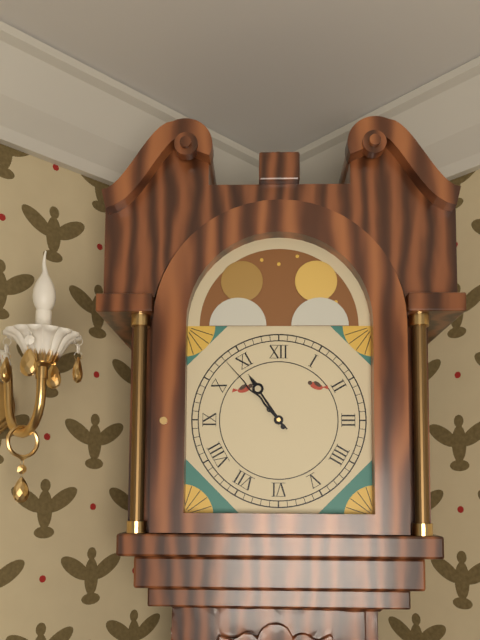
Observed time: 10:53
